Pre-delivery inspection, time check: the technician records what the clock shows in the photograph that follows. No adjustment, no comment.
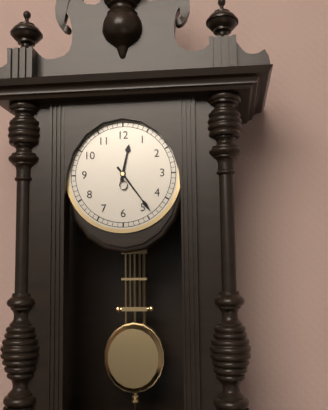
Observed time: 12:24
